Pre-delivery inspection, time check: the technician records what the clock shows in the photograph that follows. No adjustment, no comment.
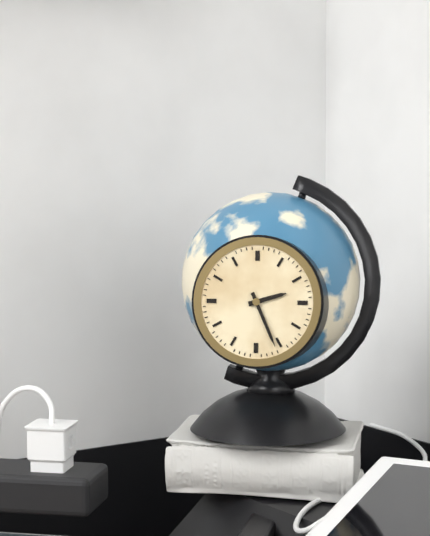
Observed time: 2:26
